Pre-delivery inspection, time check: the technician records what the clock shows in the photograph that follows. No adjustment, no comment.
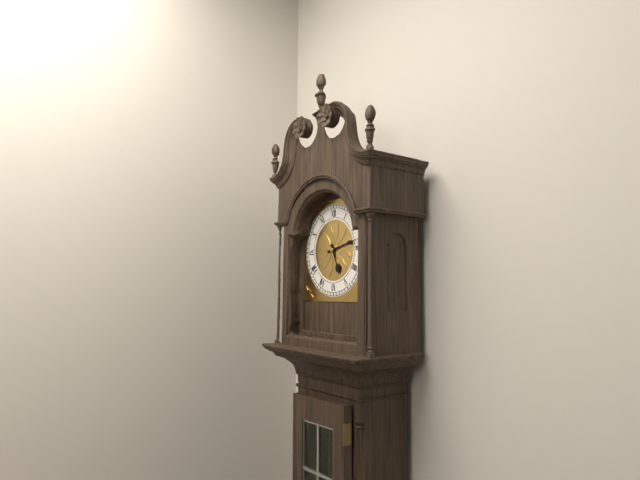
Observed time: 5:13
